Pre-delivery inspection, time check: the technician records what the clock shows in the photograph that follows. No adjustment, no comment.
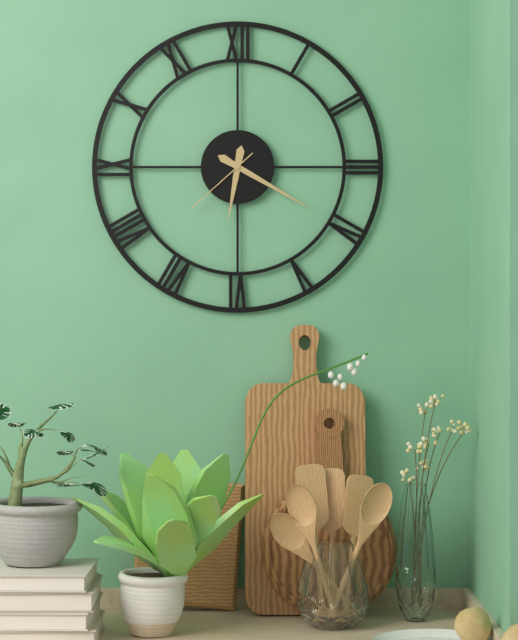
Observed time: 6:20:38
